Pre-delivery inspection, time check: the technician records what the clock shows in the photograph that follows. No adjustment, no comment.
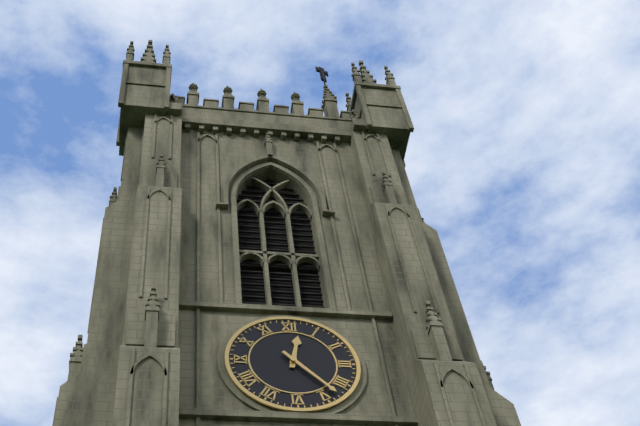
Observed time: 12:23
